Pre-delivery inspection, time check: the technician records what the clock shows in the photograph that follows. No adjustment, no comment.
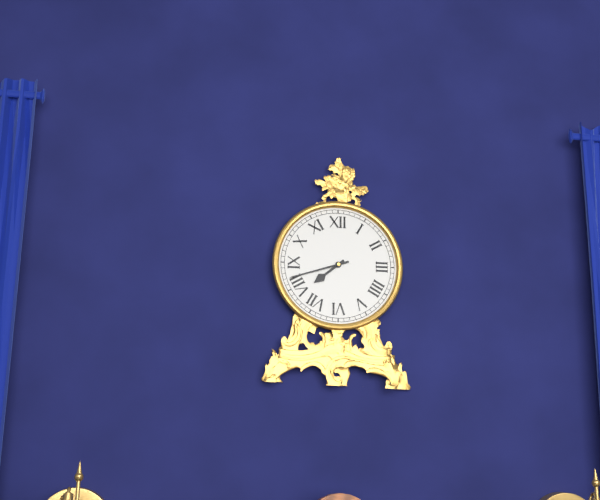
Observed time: 7:42
